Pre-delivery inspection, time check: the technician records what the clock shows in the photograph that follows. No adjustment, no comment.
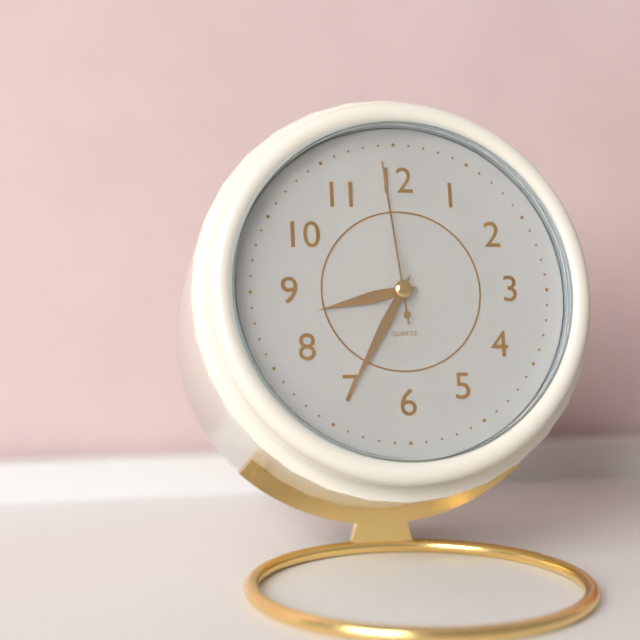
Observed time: 8:35:59
